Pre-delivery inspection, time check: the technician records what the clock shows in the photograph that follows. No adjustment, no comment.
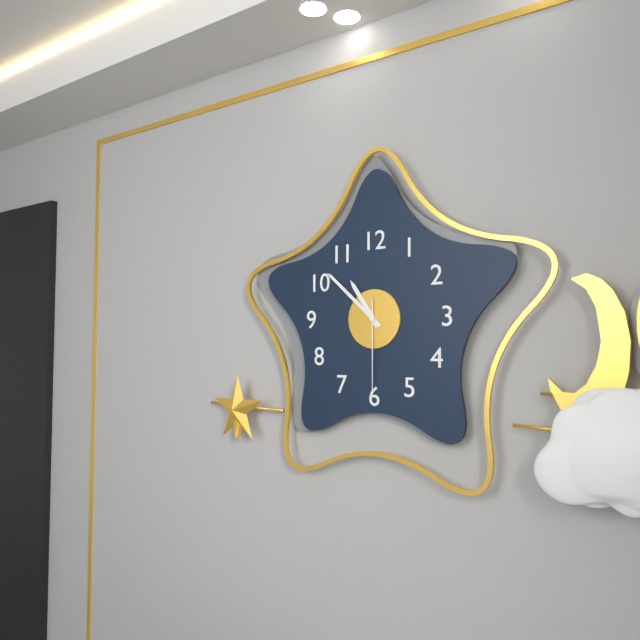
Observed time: 10:52:30
